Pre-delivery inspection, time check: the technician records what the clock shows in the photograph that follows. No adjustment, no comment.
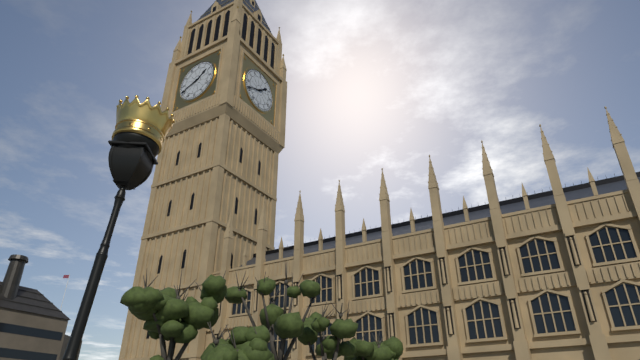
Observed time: 1:41
